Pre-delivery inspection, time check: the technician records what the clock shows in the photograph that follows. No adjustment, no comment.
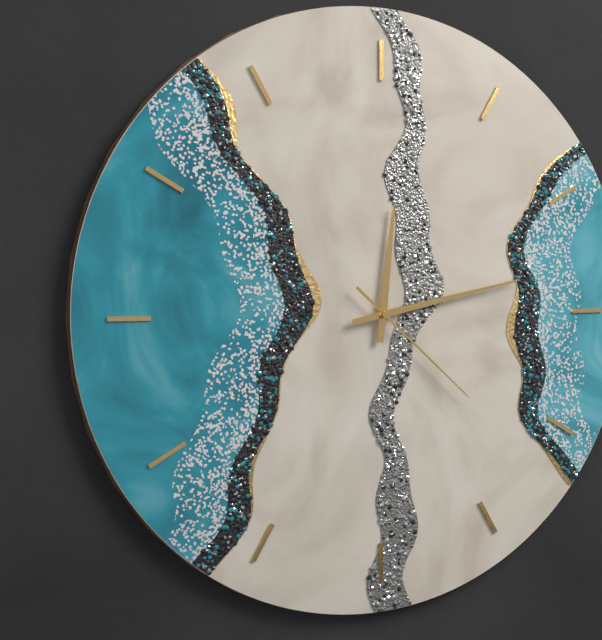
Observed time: 12:13:22
